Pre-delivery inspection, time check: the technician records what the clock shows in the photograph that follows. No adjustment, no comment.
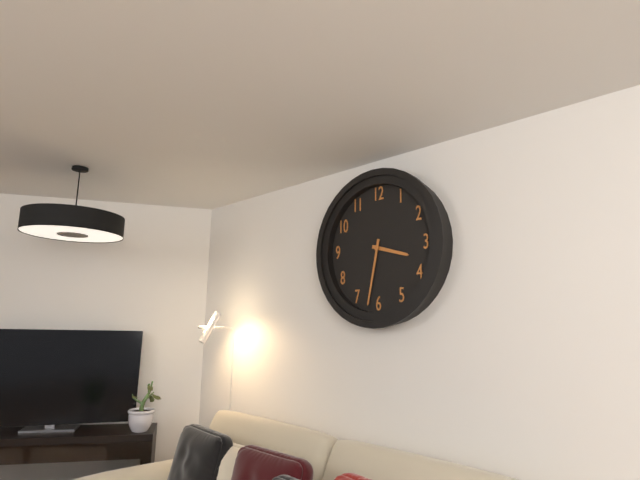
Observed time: 3:32
